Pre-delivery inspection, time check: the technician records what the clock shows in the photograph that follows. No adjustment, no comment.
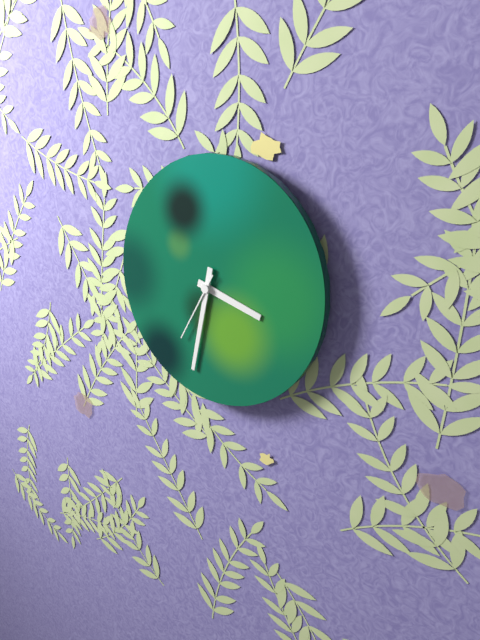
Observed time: 3:32:35
